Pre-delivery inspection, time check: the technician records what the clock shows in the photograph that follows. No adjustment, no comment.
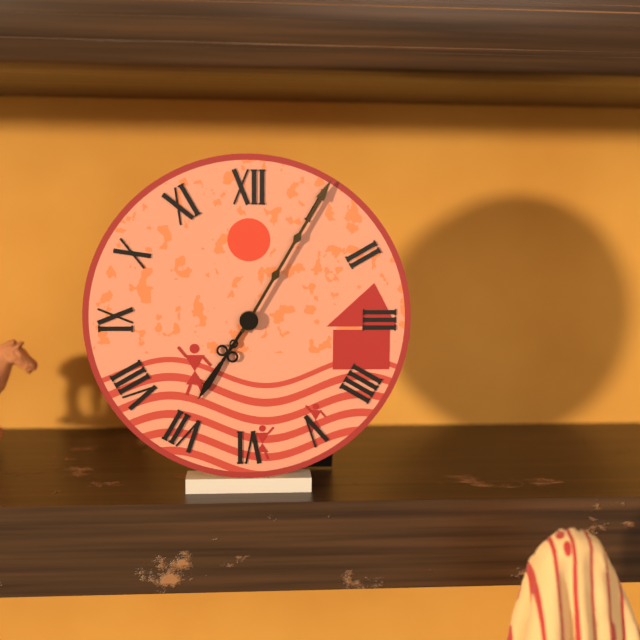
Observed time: 7:05
